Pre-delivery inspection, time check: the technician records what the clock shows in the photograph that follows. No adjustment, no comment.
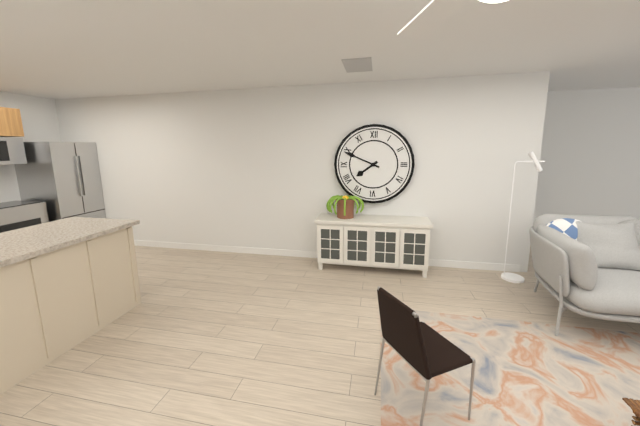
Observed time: 7:49
